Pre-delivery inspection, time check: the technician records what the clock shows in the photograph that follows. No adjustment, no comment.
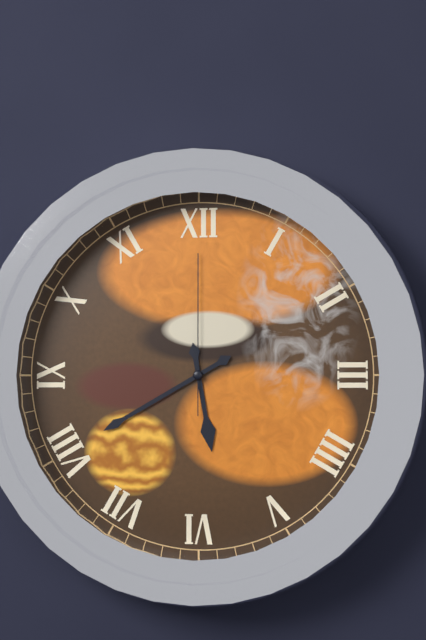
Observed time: 5:40:00
